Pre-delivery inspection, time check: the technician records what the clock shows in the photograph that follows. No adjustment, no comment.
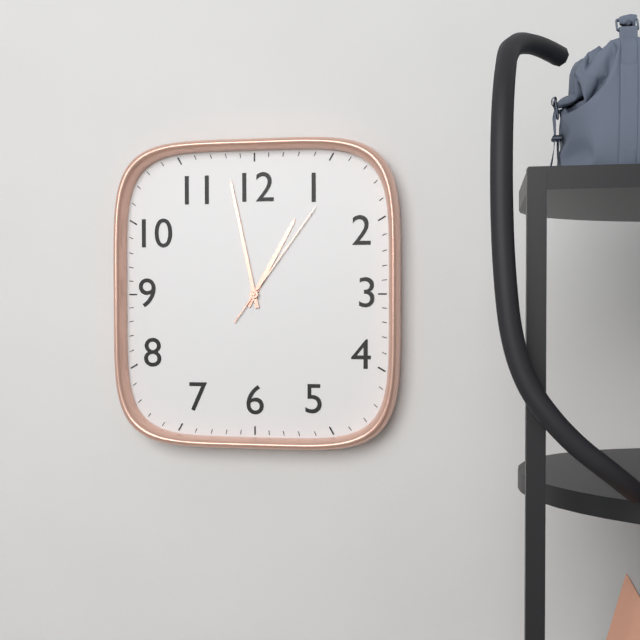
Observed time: 12:58:06
